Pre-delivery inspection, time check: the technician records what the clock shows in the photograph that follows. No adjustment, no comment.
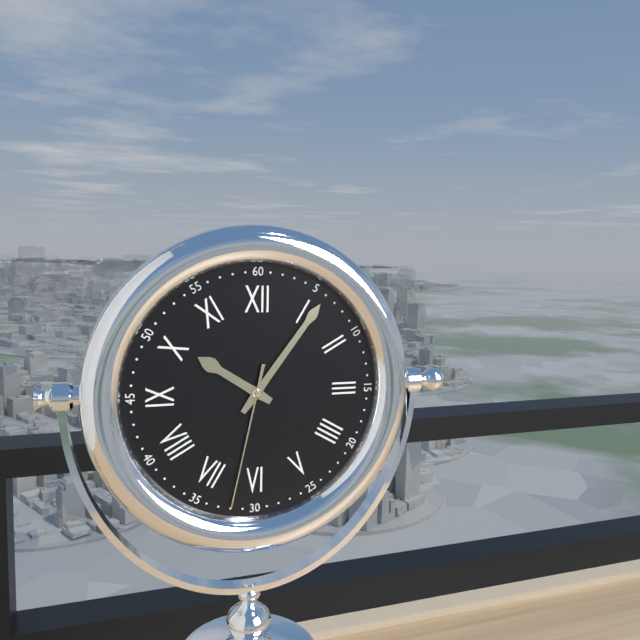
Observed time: 10:06:32
